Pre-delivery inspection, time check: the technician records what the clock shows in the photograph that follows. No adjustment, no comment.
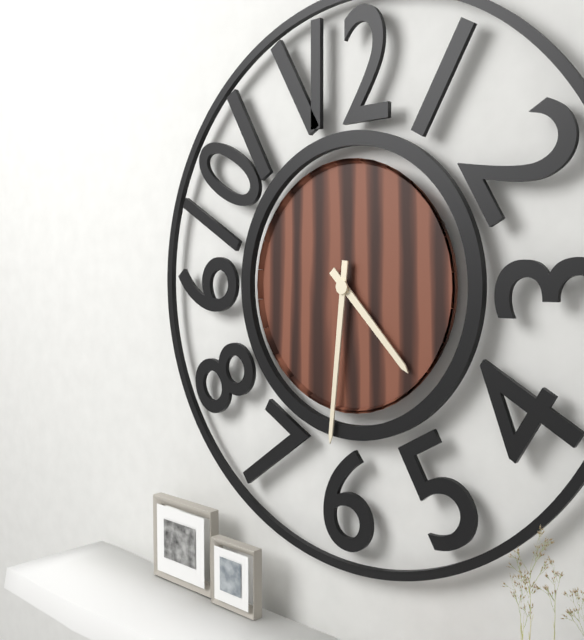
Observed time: 4:31
